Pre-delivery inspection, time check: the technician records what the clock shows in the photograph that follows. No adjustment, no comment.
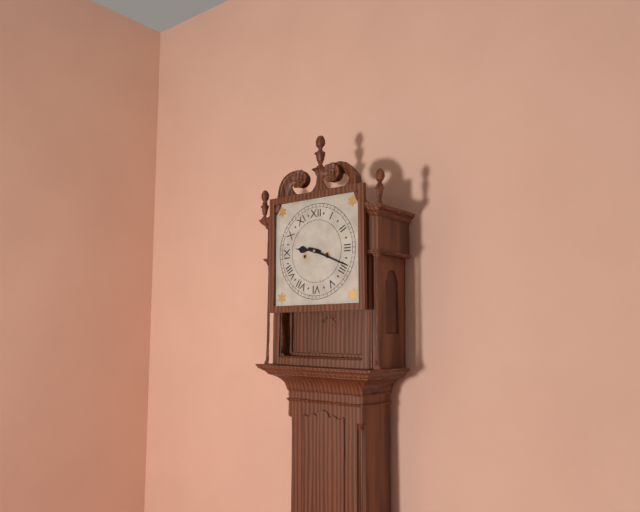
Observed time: 9:19
